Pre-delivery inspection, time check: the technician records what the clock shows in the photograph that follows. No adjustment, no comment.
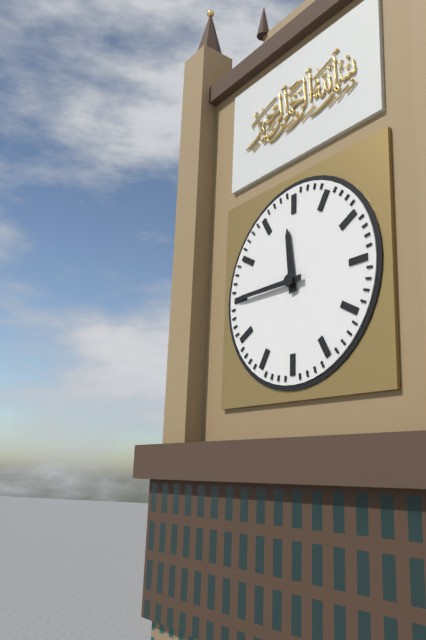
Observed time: 11:45
